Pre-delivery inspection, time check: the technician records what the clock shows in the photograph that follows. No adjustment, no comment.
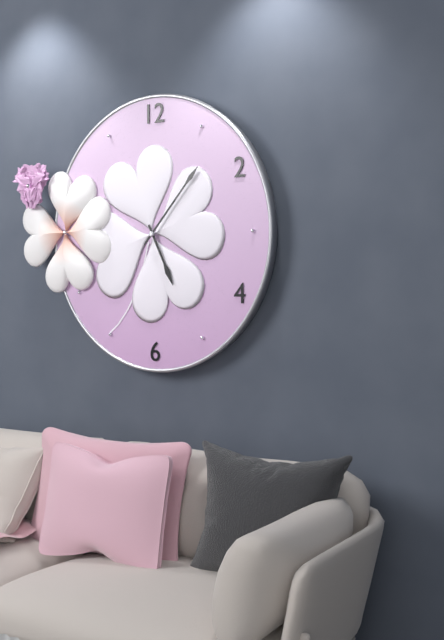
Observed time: 5:07
